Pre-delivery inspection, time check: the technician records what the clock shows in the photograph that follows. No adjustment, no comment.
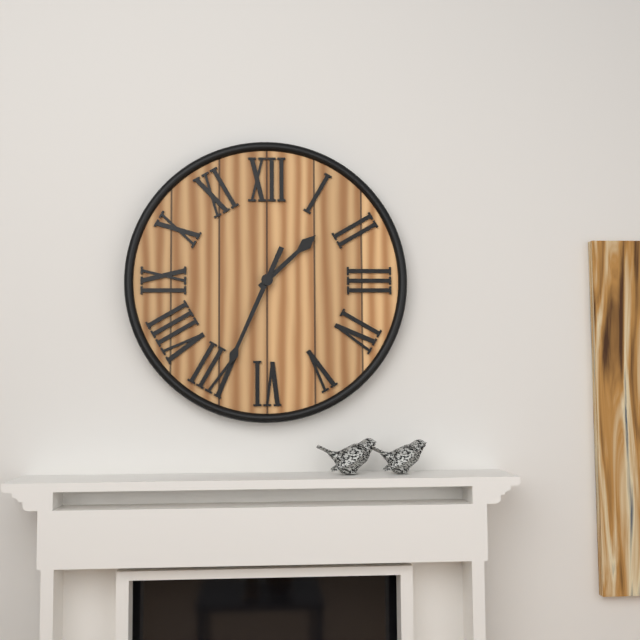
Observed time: 1:34
